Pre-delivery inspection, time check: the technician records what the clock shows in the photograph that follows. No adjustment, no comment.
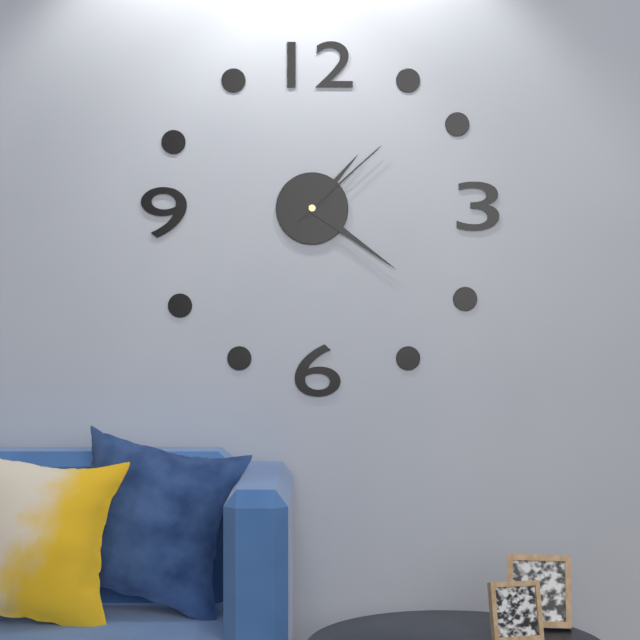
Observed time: 1:21:08
